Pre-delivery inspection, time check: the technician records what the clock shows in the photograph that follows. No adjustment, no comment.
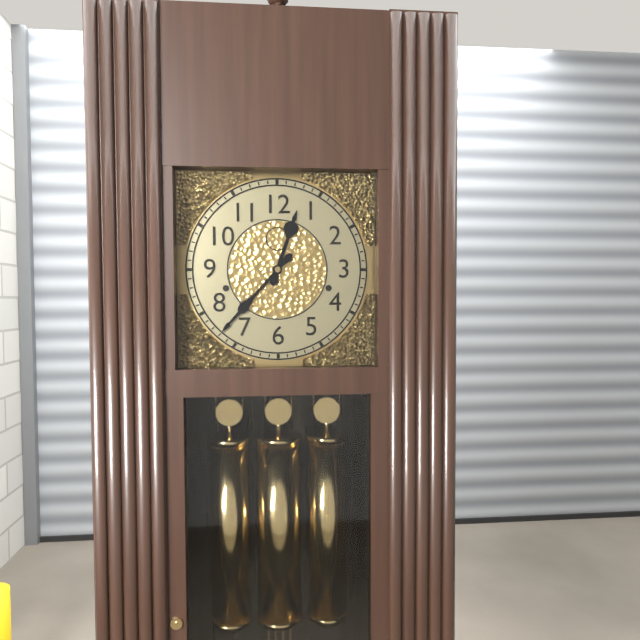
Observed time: 12:37
